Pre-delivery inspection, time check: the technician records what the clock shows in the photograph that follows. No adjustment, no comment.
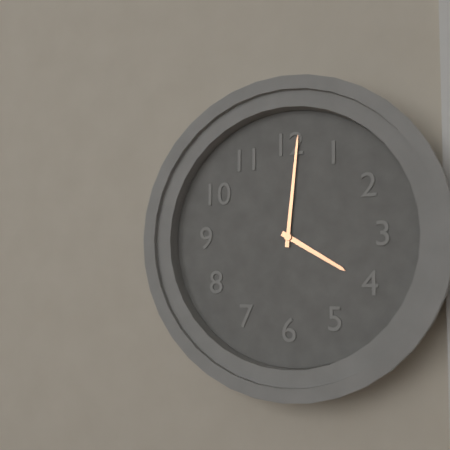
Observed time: 4:01
